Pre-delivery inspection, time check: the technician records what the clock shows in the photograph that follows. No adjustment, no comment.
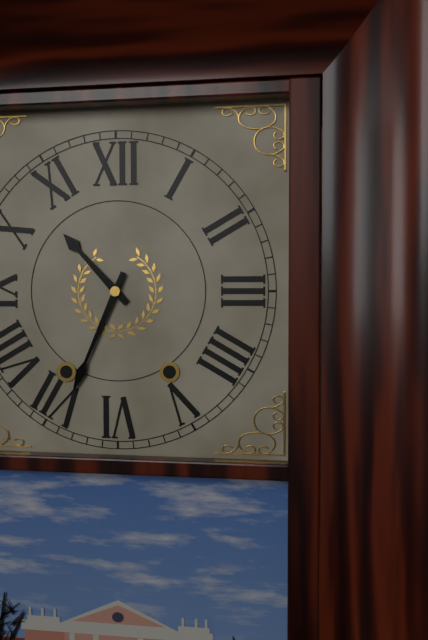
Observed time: 10:34
